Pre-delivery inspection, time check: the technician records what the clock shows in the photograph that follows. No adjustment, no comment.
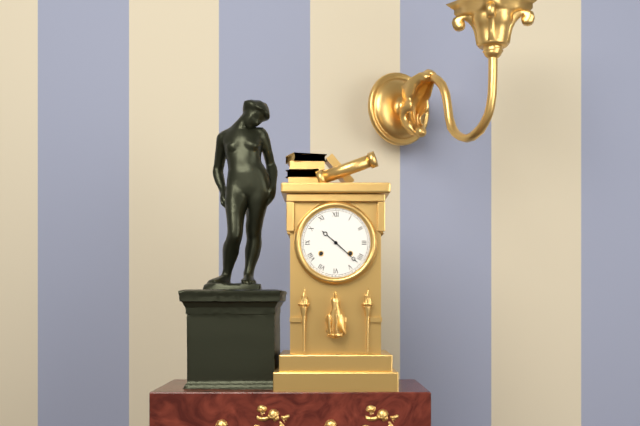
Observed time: 10:22
